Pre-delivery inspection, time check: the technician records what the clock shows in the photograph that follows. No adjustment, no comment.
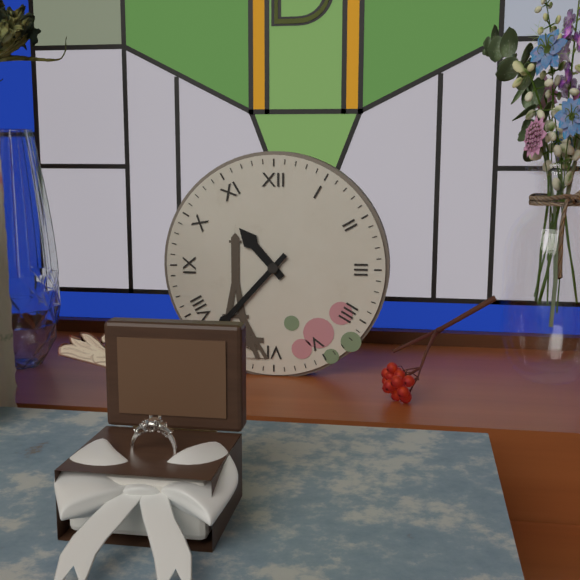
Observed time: 10:37
